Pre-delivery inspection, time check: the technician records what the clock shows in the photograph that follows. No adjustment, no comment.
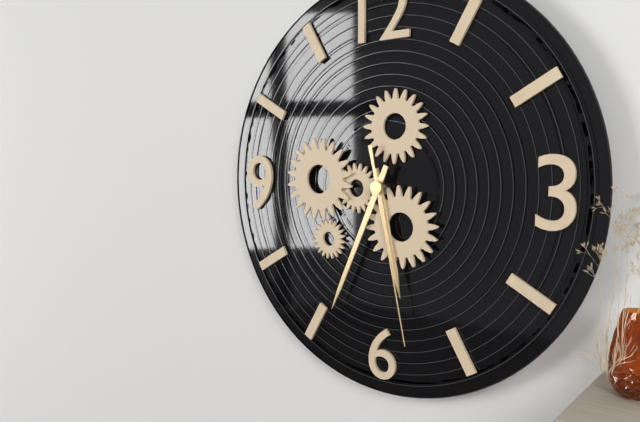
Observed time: 5:34:28
